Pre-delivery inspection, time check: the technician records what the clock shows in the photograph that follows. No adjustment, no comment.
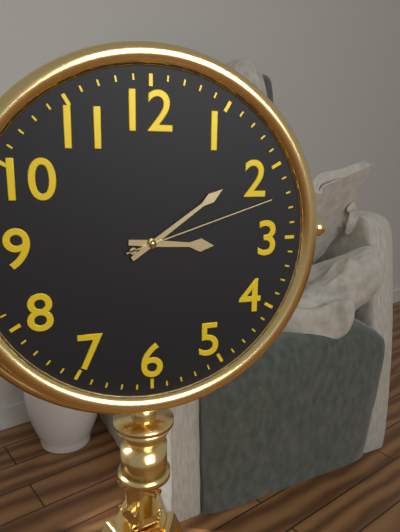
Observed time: 3:09:12
